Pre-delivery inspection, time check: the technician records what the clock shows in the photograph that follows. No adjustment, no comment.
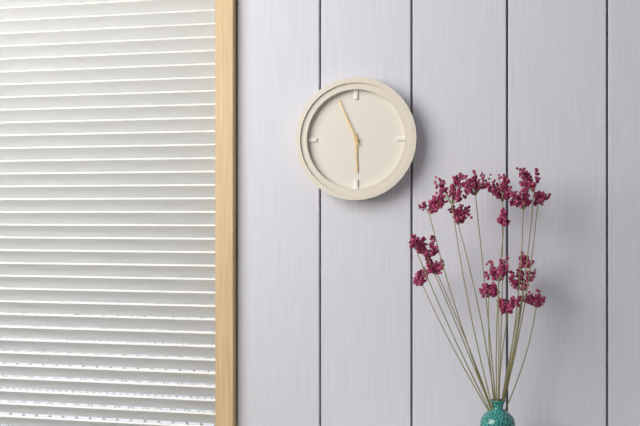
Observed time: 5:56
